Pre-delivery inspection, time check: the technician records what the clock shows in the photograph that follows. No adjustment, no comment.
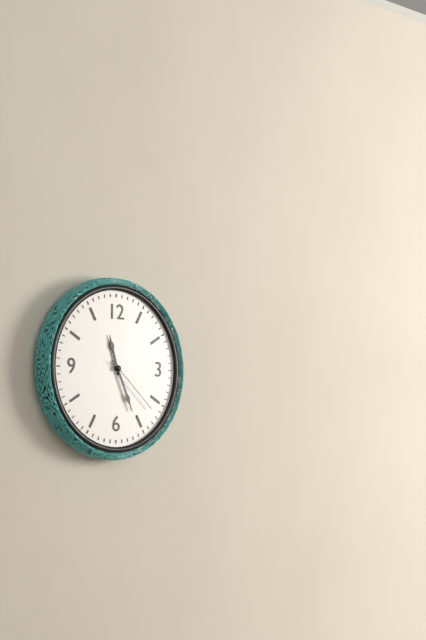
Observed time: 11:26:22
